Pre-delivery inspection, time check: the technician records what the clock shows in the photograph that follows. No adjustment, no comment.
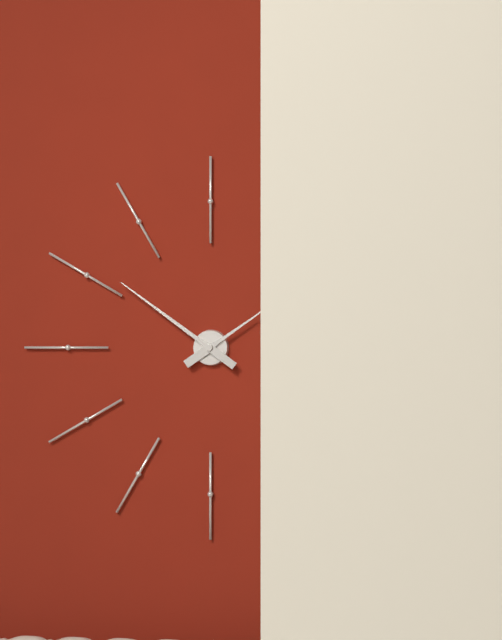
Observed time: 1:51
